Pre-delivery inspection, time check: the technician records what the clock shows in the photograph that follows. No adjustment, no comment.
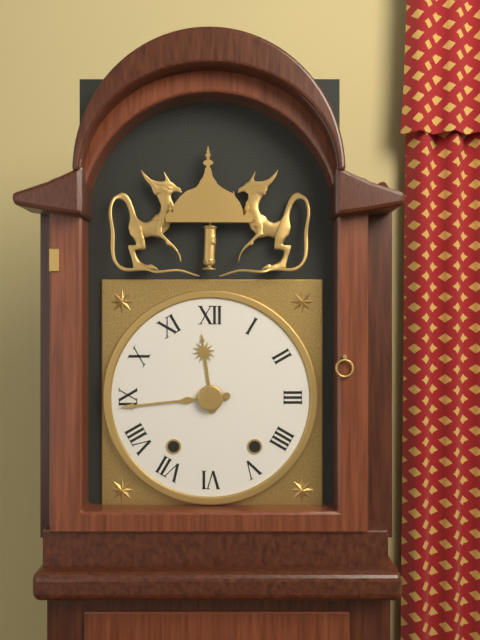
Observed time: 11:44
